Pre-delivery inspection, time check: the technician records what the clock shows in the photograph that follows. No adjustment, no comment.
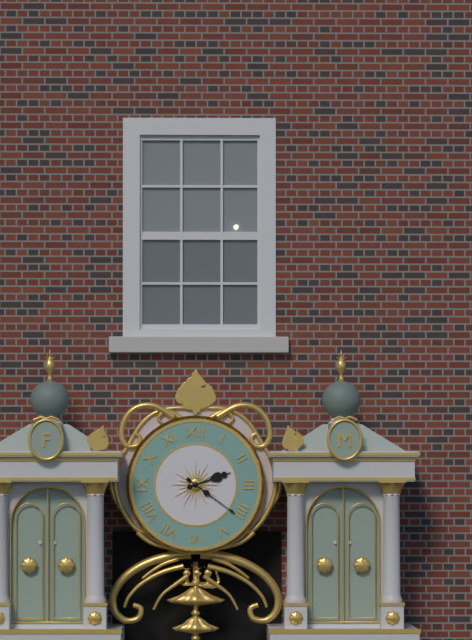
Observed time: 2:21
